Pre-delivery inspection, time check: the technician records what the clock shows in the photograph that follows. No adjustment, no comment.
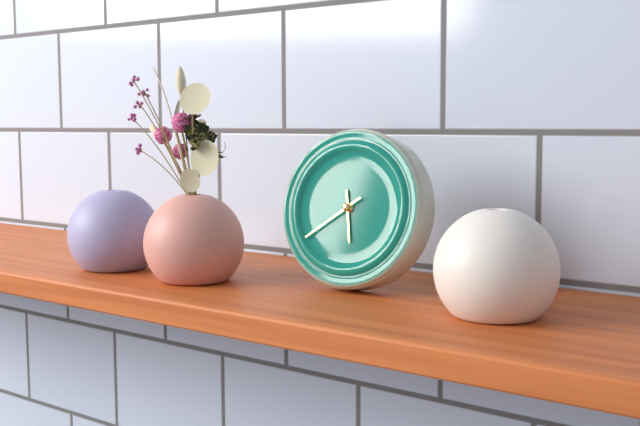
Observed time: 5:39
